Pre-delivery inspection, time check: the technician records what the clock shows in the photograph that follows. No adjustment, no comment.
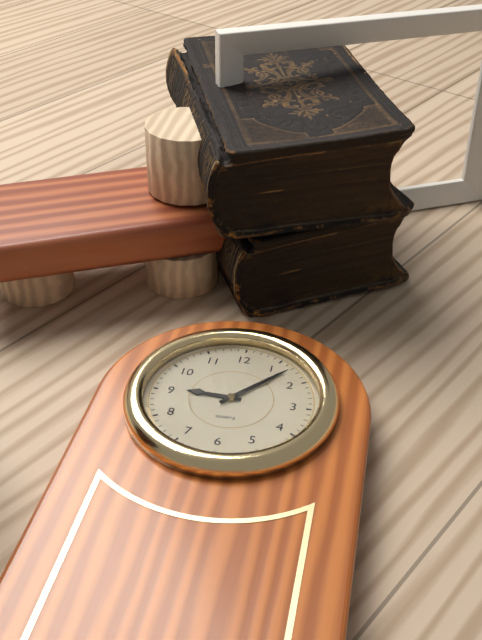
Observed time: 9:07
